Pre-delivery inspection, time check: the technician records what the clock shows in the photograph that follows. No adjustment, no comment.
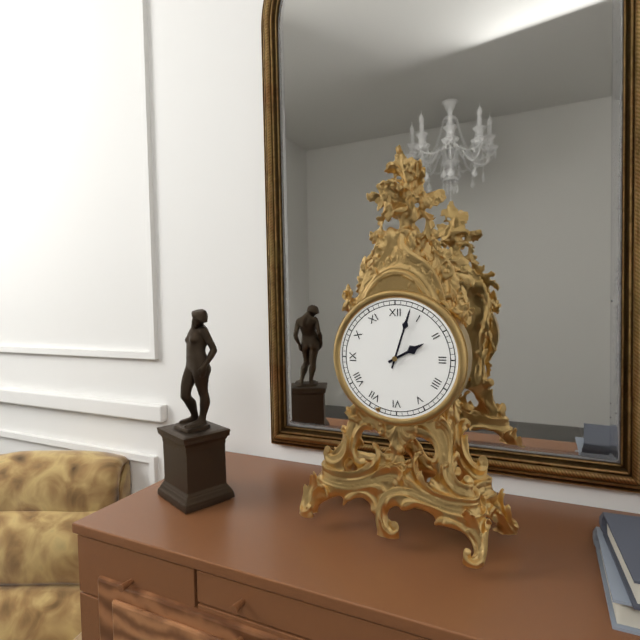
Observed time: 2:03
